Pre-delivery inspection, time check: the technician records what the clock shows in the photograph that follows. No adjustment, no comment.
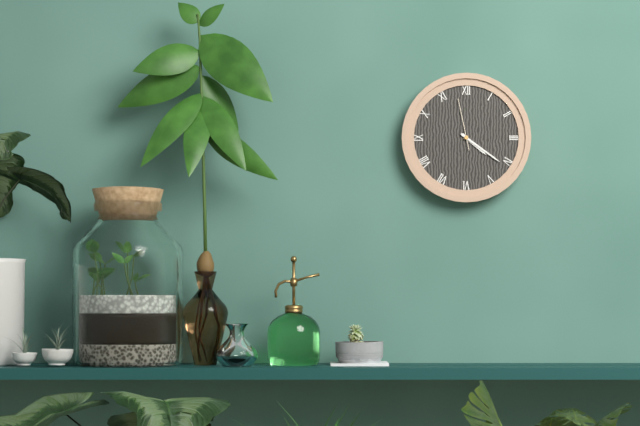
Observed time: 4:21
